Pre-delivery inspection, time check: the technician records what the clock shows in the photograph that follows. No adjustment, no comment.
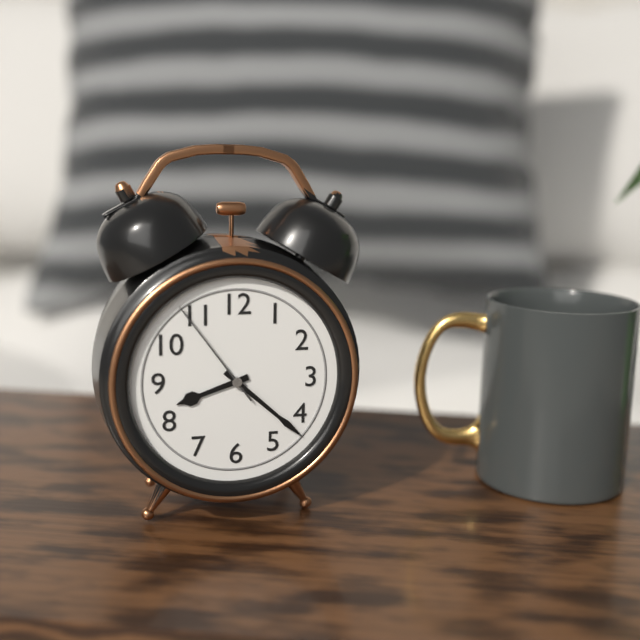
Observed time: 8:22:54
